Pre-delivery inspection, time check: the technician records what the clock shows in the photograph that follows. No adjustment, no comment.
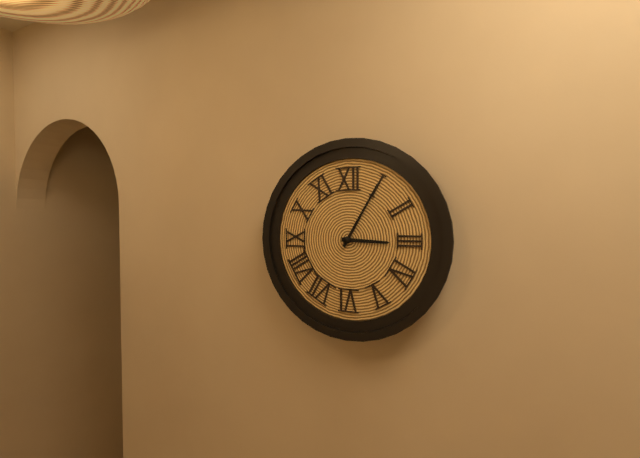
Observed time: 3:05
